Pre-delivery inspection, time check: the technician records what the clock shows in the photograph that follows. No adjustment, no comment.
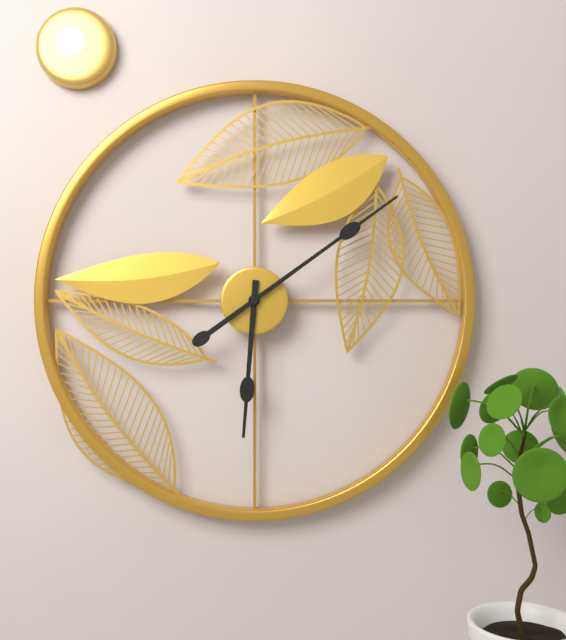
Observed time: 6:09
